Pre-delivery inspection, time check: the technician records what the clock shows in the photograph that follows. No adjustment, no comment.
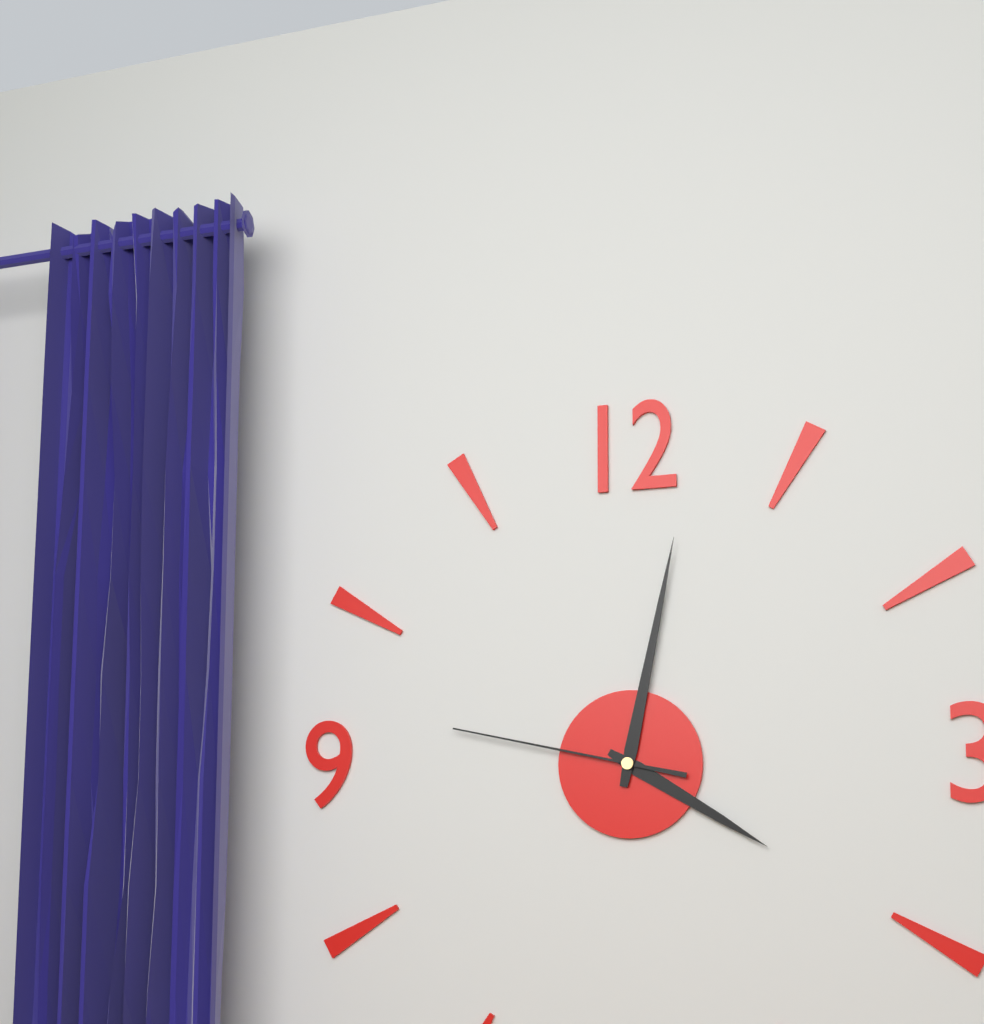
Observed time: 4:02:47
